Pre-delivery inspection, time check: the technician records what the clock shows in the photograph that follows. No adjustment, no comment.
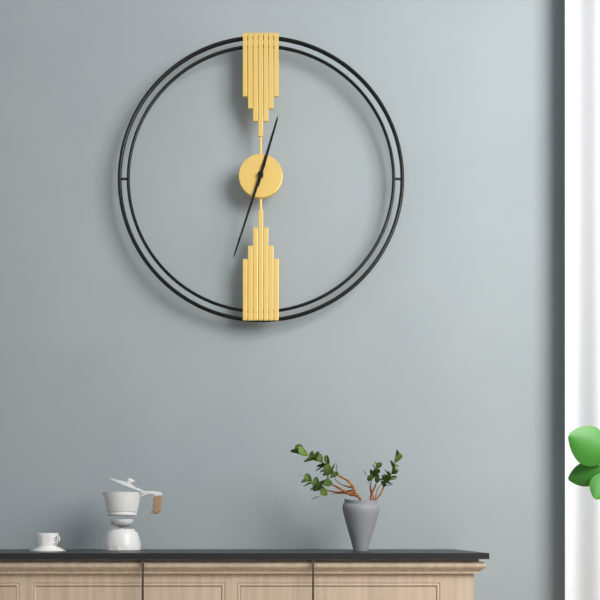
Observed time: 12:33
